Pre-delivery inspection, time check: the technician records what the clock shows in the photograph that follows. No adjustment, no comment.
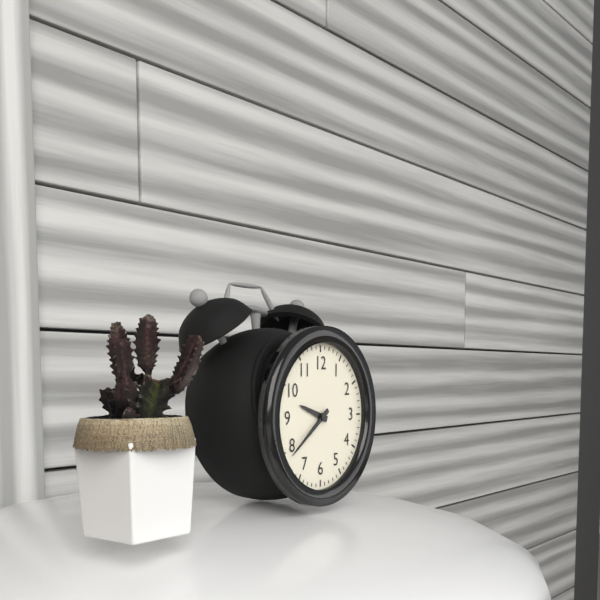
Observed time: 9:39
